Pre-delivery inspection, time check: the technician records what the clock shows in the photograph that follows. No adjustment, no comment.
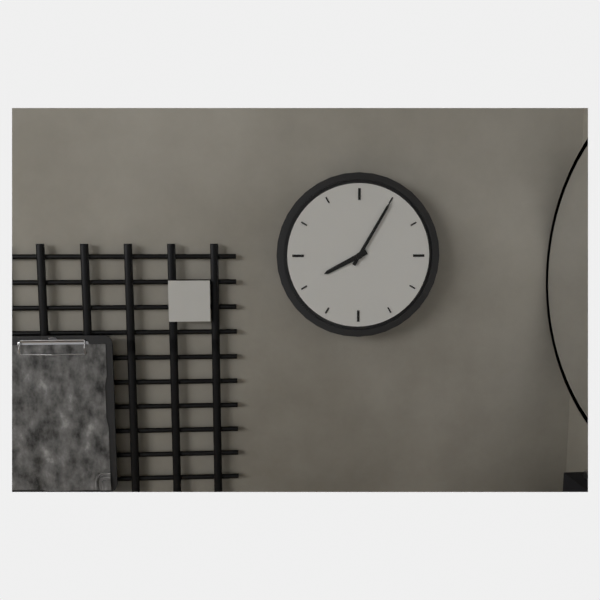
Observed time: 8:05
